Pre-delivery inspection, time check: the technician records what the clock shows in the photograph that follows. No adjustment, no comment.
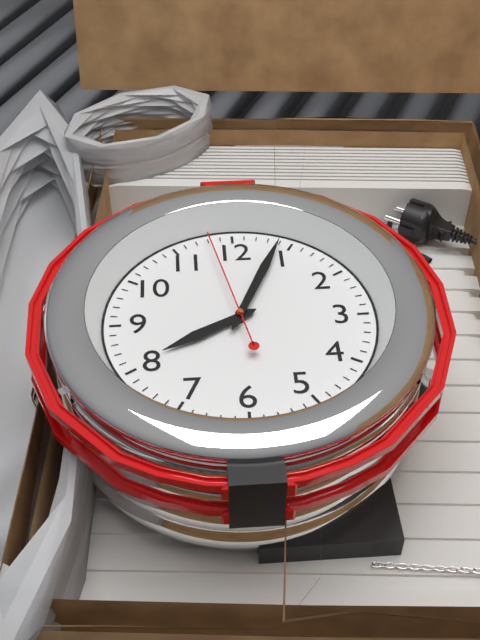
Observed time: 8:04:58
